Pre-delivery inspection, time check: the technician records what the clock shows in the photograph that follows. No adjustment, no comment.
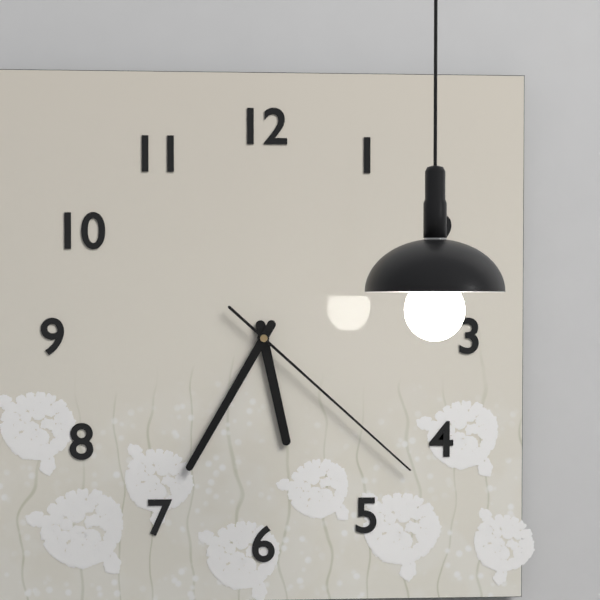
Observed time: 5:35:22
